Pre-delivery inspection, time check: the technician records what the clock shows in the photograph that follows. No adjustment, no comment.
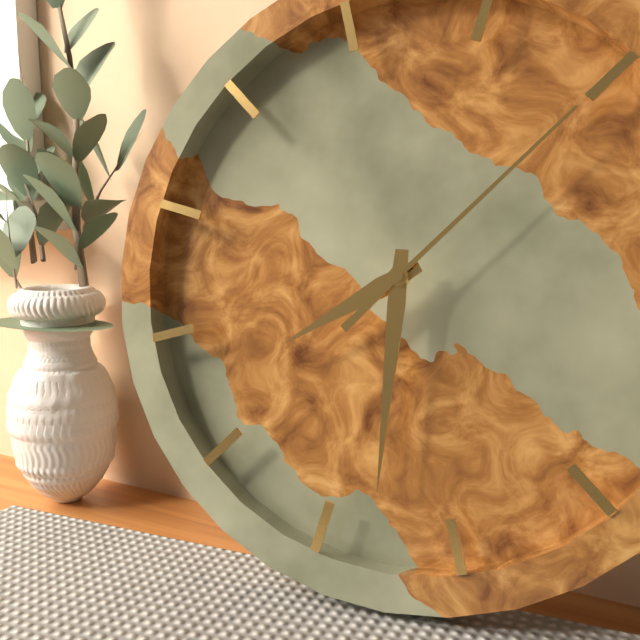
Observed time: 7:28:05
